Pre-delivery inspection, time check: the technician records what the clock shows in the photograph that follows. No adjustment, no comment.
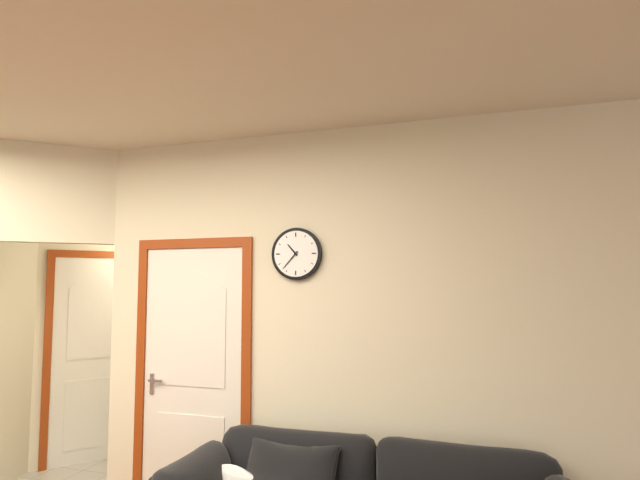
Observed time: 10:37
